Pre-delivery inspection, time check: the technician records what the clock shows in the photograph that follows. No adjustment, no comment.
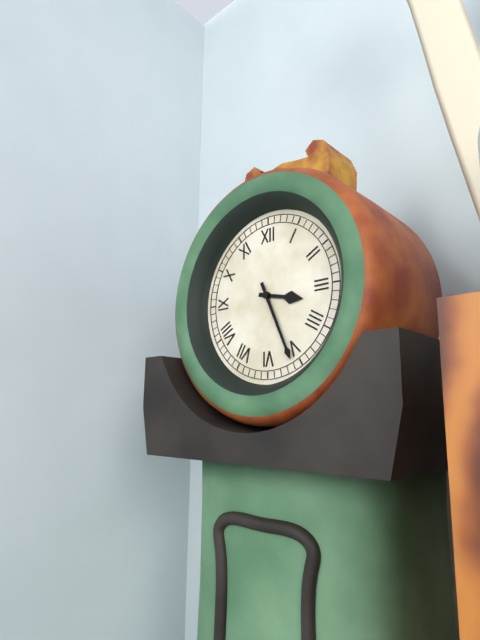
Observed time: 3:26
